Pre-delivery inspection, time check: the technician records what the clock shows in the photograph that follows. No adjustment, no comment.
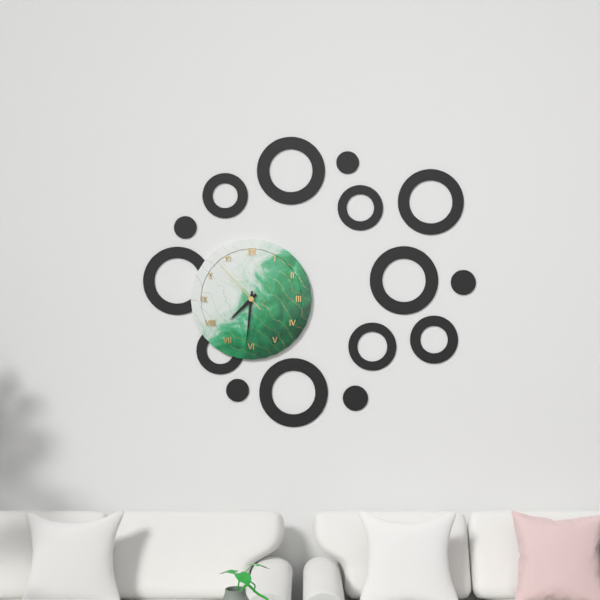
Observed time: 7:31:53
